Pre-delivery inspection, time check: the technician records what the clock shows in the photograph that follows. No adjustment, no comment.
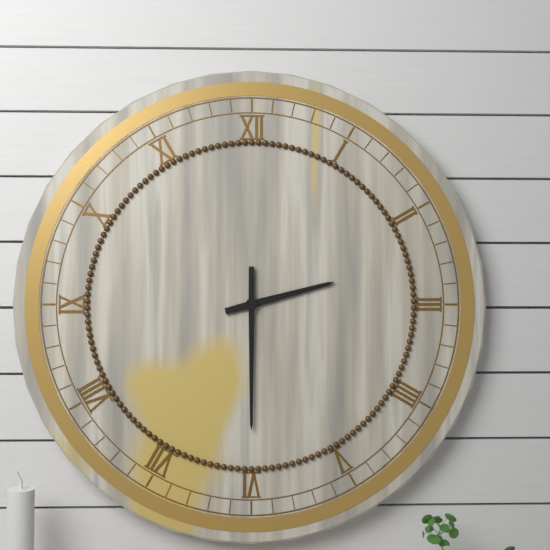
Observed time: 2:30
